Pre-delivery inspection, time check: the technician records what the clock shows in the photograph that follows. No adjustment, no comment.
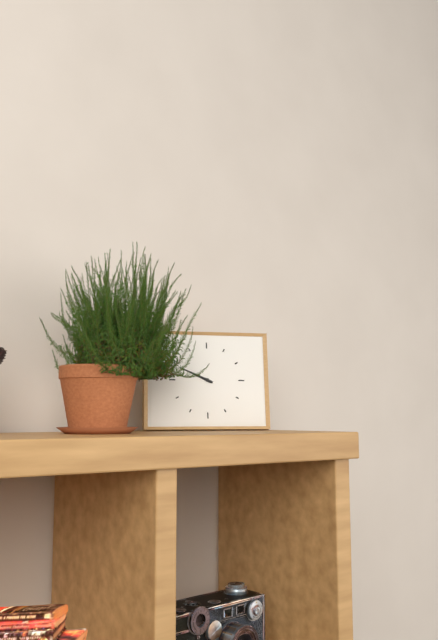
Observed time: 9:49
